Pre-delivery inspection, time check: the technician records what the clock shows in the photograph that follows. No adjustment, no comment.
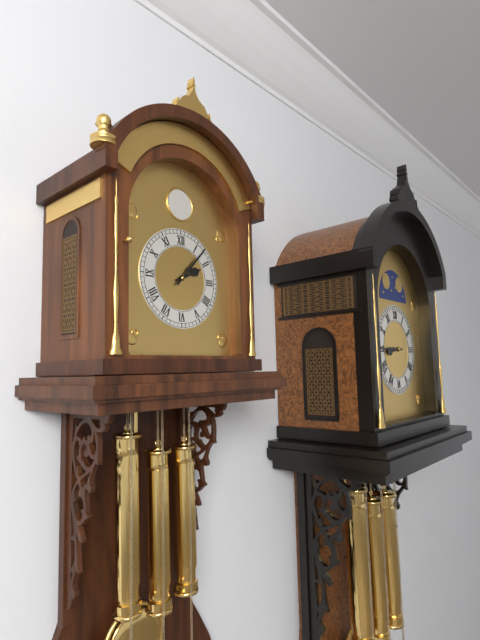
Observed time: 2:07
